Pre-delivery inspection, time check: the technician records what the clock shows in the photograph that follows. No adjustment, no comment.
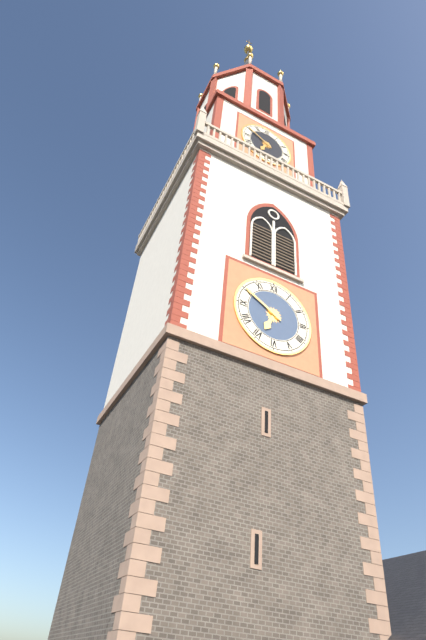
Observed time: 6:50
